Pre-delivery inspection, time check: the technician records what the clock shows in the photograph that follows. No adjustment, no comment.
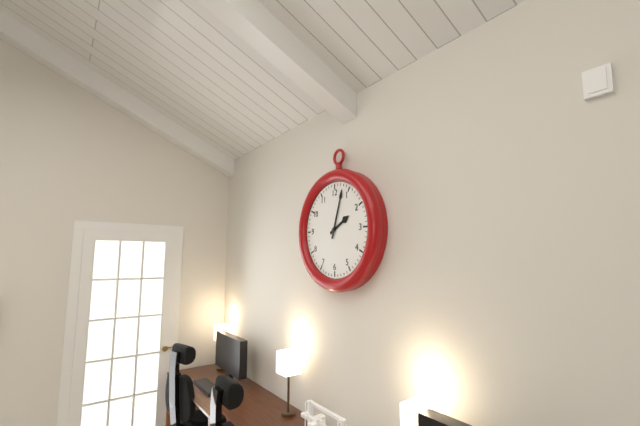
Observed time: 2:03
